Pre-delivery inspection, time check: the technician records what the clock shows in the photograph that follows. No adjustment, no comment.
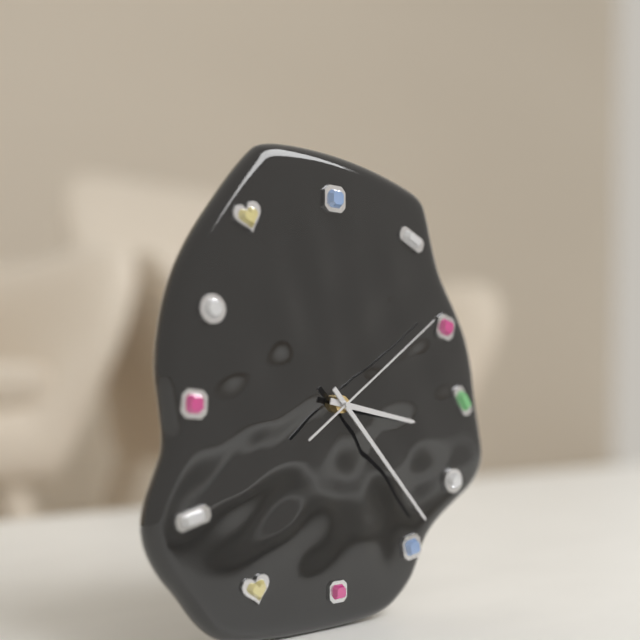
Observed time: 3:23:09
